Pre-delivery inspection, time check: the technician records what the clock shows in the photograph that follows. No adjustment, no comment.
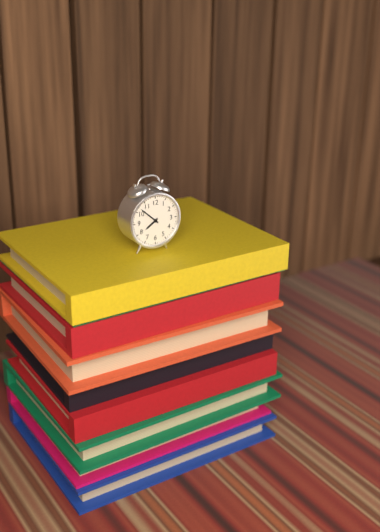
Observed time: 7:52
